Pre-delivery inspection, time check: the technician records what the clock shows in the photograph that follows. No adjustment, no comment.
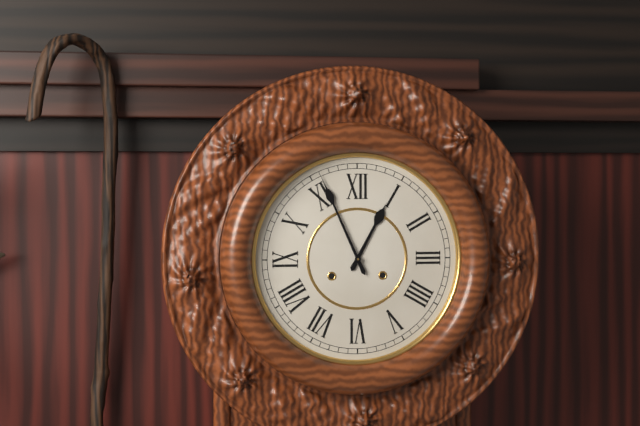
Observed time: 12:56
